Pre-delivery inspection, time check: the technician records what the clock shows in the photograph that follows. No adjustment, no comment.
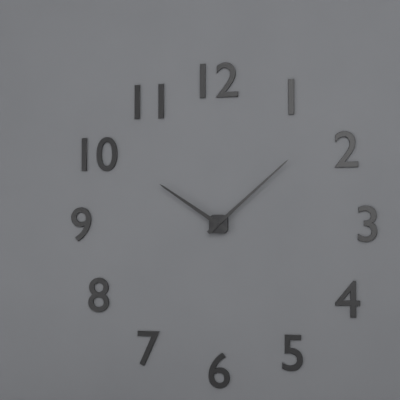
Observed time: 10:08
